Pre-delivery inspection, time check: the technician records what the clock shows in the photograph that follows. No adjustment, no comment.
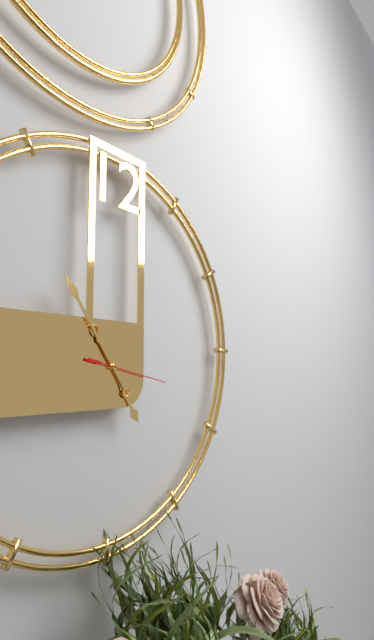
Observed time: 4:54:17
